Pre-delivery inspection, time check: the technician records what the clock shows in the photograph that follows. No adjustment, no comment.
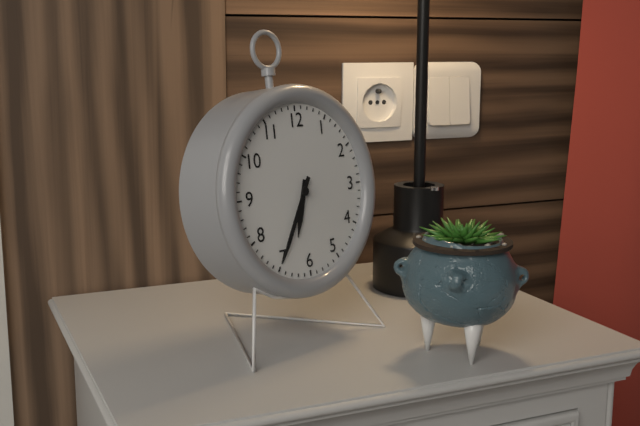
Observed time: 6:35
